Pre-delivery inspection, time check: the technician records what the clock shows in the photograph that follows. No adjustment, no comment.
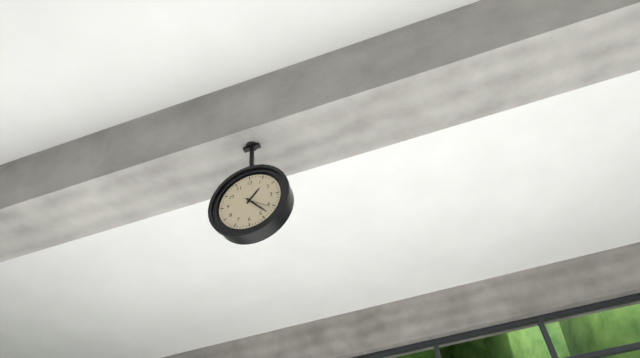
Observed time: 1:23
